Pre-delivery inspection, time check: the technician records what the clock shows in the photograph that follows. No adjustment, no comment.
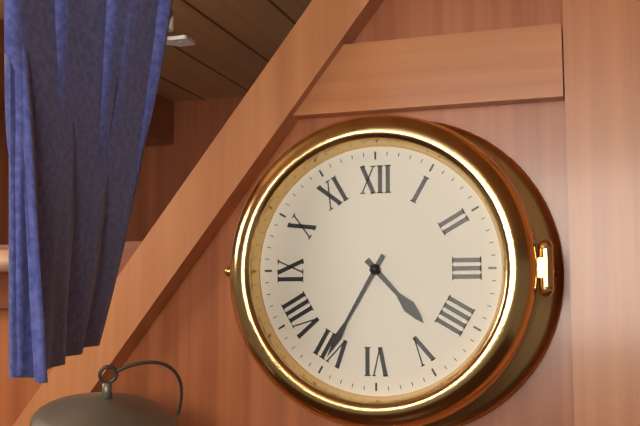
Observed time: 4:35
